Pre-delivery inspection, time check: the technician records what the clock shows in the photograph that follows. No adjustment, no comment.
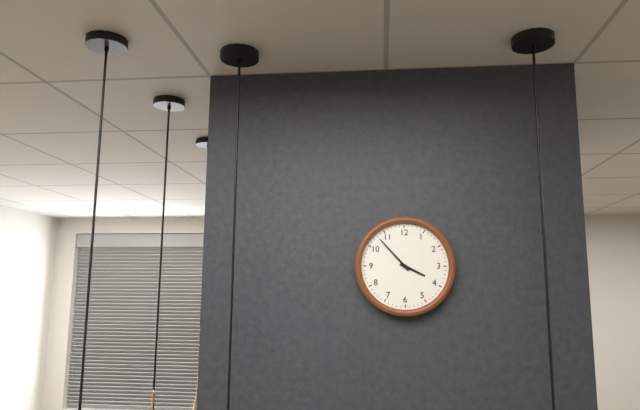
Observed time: 3:53
